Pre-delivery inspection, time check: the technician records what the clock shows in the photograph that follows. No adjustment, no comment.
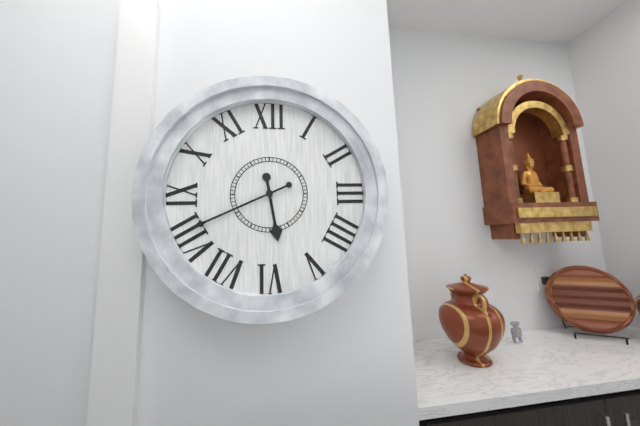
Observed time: 5:41
